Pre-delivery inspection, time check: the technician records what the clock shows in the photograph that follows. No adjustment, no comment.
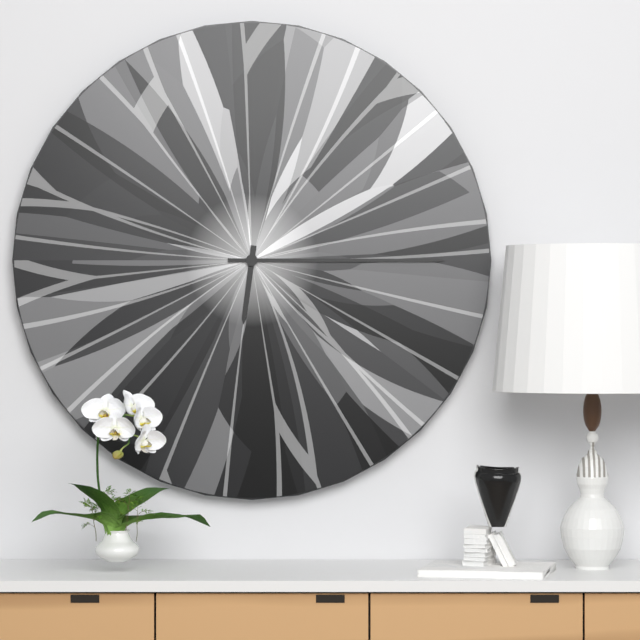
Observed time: 6:15
